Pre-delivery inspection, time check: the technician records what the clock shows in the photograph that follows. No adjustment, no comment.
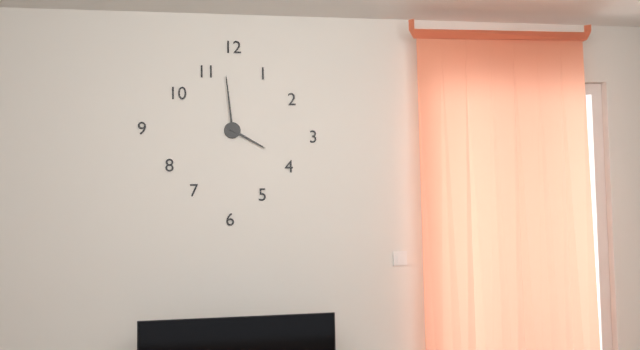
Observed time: 3:59
